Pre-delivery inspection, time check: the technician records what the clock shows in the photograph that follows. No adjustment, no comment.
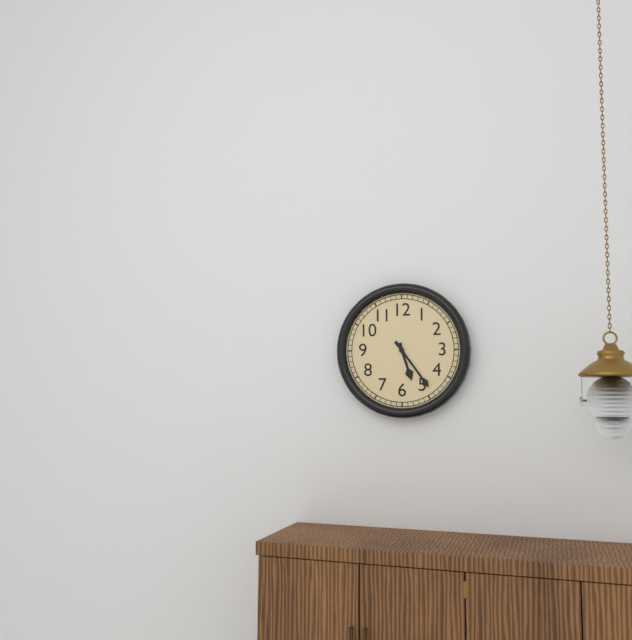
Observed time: 5:24
